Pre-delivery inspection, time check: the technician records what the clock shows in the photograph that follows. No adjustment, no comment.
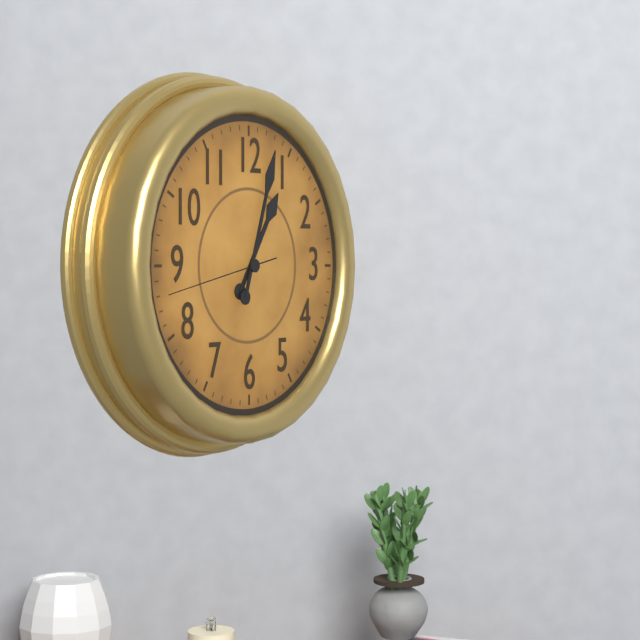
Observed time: 1:03:43
